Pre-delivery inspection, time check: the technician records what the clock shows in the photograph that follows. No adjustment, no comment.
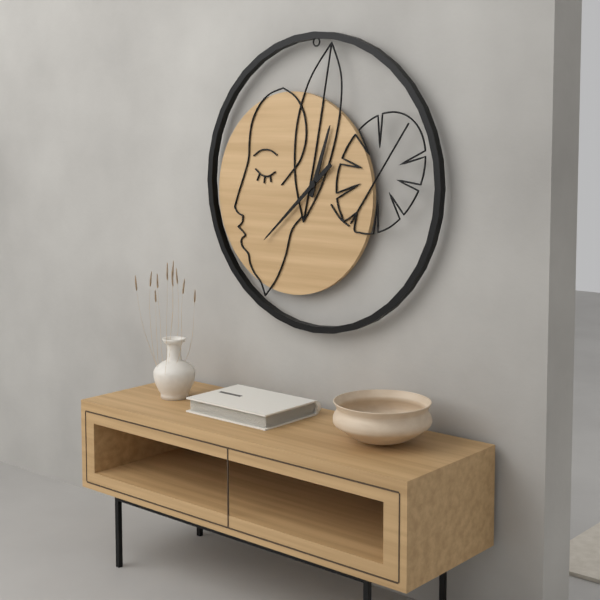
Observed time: 12:38
